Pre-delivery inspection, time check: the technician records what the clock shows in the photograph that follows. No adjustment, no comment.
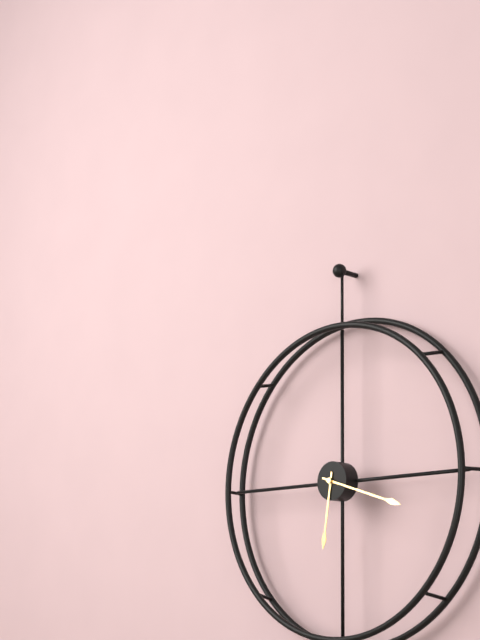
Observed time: 6:18
